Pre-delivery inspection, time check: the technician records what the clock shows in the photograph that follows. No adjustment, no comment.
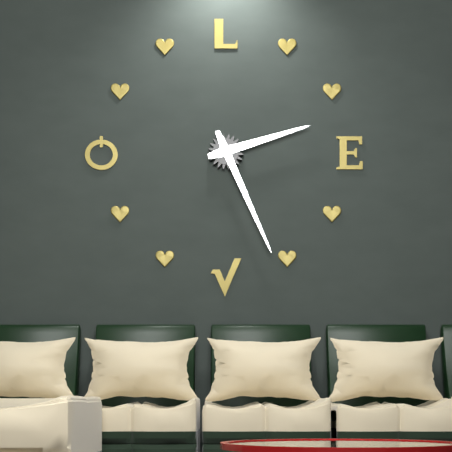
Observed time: 2:26
